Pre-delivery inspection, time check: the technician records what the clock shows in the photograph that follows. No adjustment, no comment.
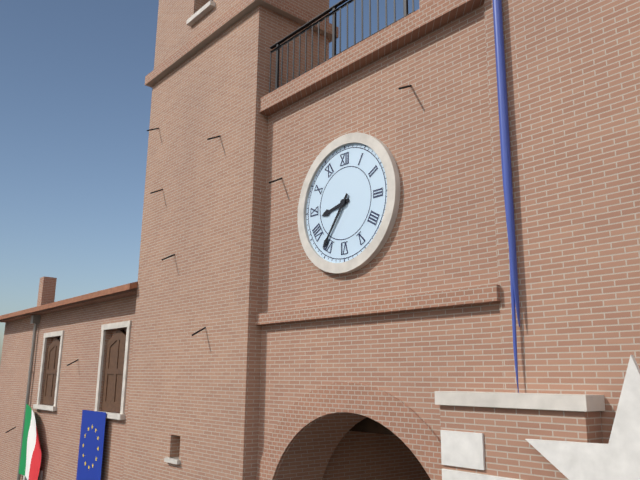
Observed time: 8:36
